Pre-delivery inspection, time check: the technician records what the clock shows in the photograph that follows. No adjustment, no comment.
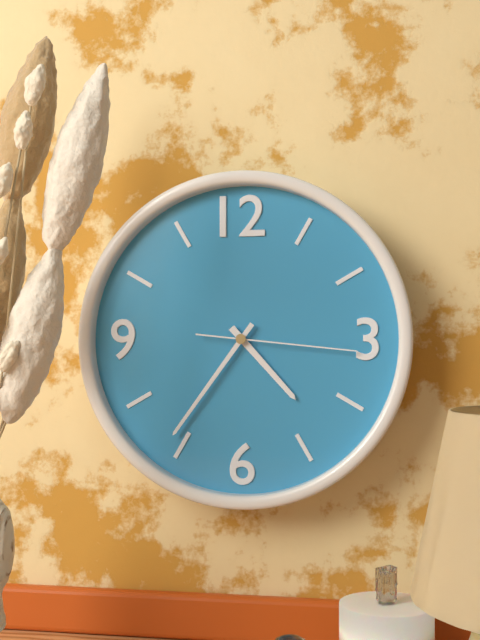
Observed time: 4:36:16
